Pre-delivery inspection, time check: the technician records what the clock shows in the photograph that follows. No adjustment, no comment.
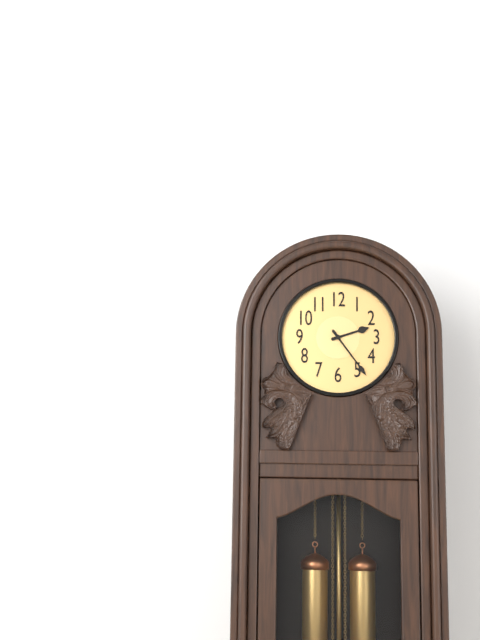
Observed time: 2:24
